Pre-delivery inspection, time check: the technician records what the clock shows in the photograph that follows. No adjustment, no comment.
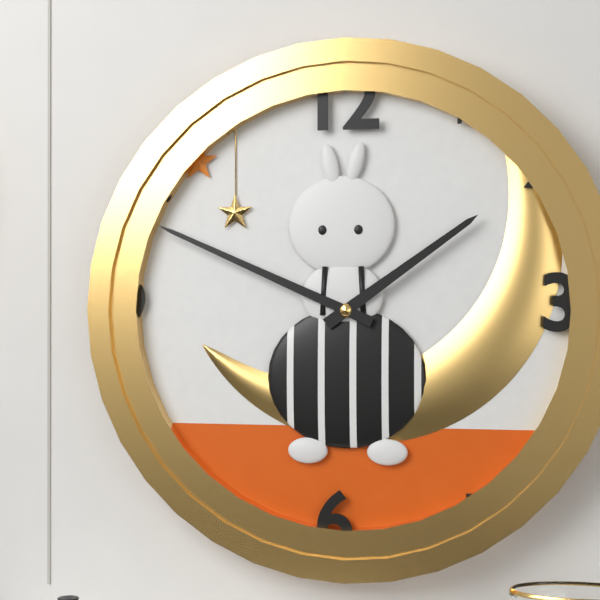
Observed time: 1:49
